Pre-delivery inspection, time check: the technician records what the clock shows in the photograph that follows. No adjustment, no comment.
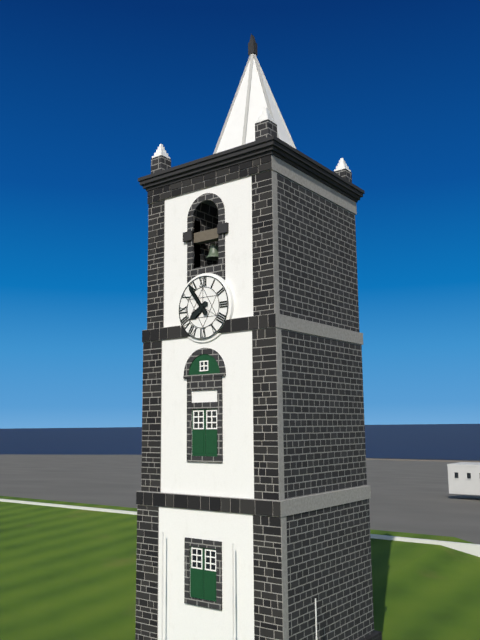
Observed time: 7:54
